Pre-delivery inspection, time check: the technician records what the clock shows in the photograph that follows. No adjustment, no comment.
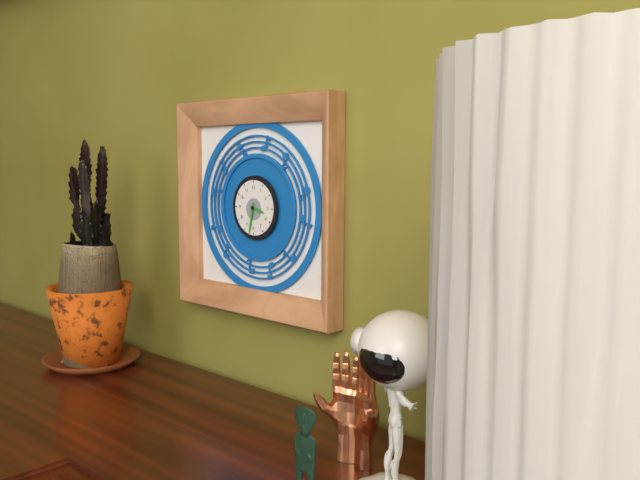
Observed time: 3:32
